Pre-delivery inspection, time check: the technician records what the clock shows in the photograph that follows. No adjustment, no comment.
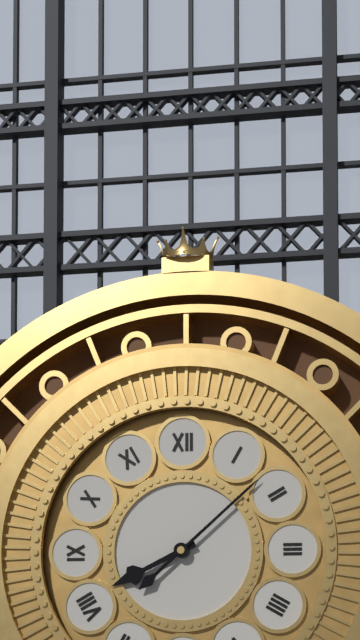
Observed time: 8:08
